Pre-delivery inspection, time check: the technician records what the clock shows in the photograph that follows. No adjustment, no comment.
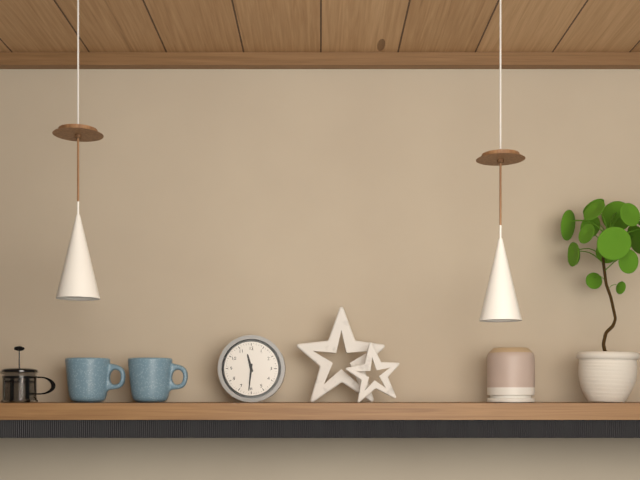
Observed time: 11:31
